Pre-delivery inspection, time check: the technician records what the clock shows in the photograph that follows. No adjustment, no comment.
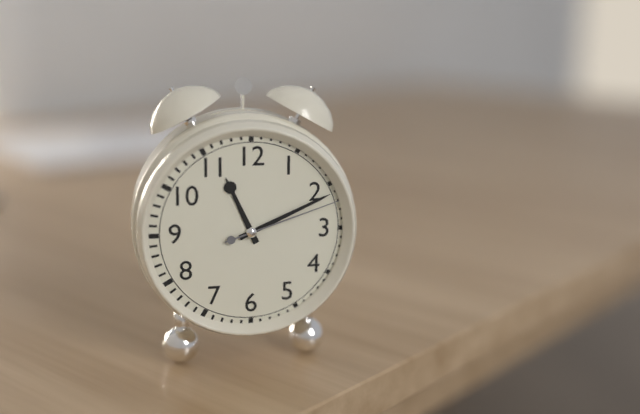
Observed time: 11:11:12
